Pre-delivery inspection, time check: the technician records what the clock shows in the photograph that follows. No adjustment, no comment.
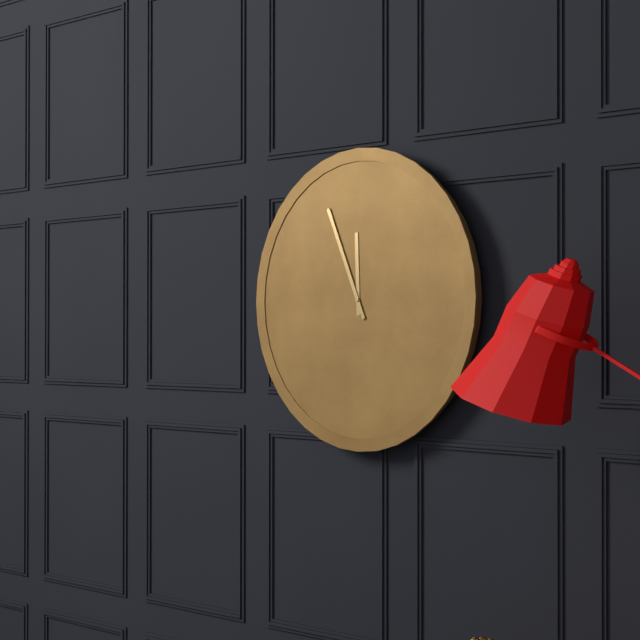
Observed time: 11:56
